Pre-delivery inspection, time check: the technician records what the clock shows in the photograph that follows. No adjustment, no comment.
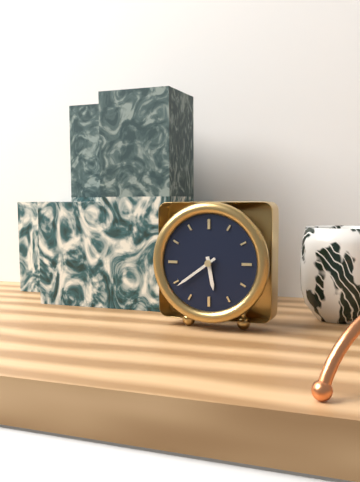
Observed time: 5:39
